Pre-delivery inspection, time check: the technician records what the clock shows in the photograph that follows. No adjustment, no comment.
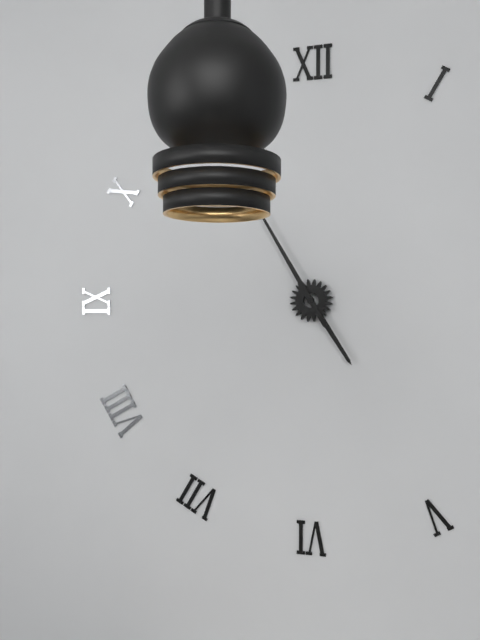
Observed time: 4:55
